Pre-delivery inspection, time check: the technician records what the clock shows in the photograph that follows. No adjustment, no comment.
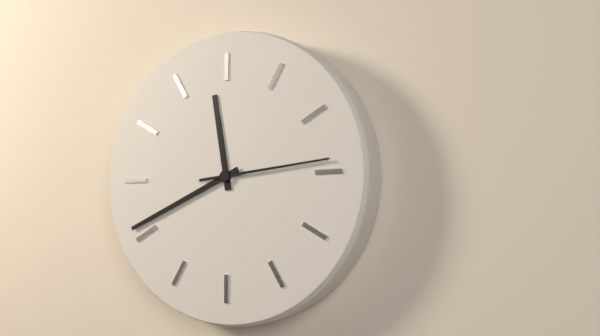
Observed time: 11:41:14
